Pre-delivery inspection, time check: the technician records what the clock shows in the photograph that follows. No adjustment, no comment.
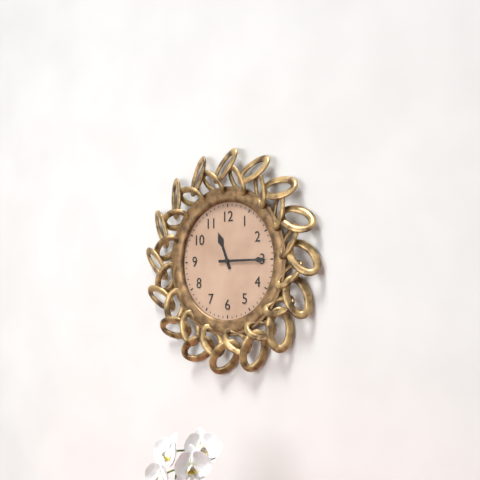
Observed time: 11:15
